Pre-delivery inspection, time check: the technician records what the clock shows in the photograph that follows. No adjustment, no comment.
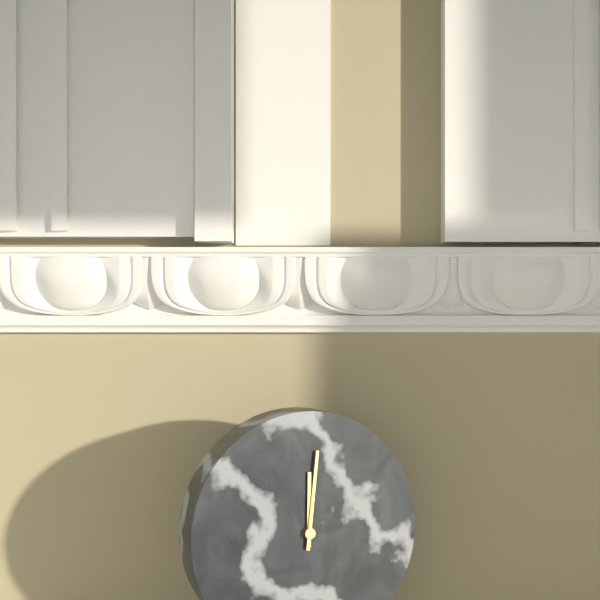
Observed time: 12:01
